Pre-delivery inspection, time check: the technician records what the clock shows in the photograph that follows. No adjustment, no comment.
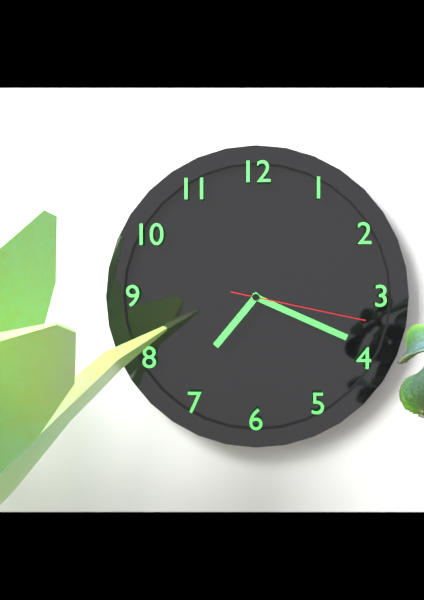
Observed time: 7:19:17
